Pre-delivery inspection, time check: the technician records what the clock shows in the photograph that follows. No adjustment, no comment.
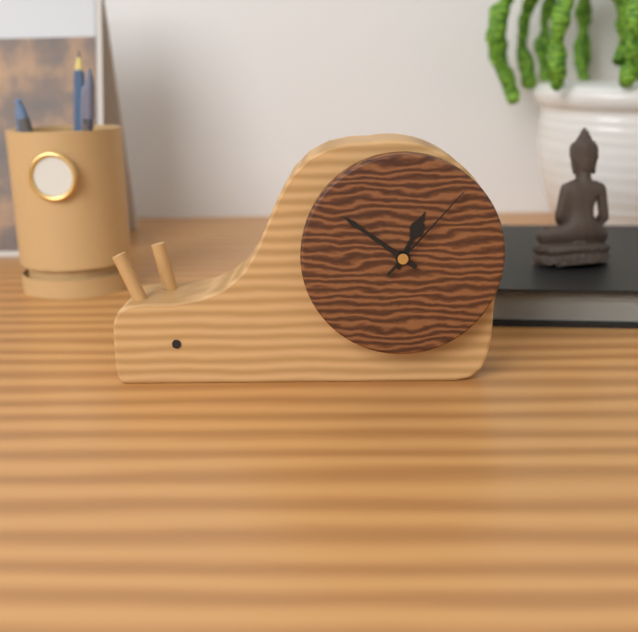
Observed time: 12:51:07
